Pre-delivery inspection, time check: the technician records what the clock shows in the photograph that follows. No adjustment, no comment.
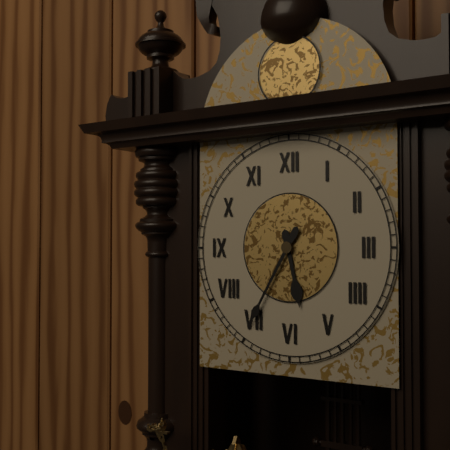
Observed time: 5:35
